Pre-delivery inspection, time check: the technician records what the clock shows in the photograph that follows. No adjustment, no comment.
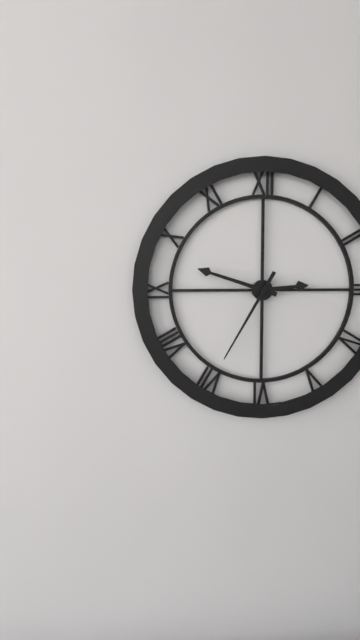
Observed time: 2:48:35
